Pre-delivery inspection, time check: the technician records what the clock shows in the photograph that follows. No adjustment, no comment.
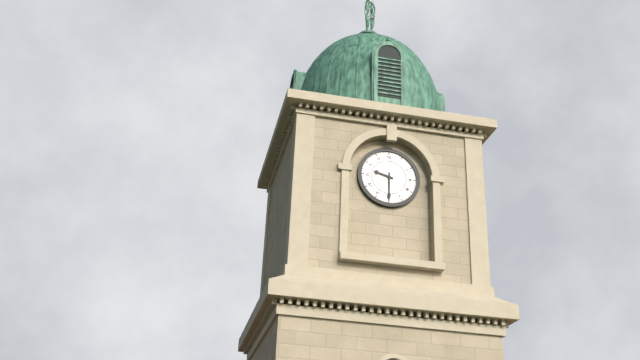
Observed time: 9:30
